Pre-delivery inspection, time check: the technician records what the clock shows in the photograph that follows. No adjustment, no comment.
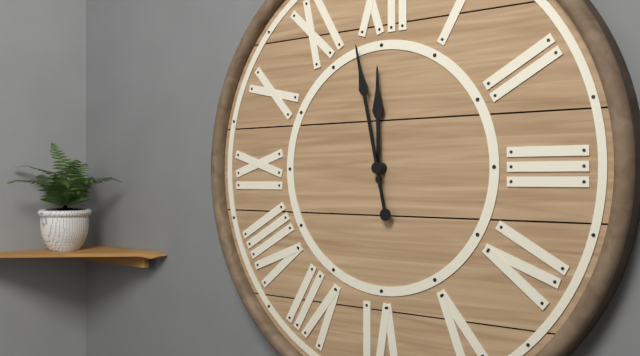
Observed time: 11:58
